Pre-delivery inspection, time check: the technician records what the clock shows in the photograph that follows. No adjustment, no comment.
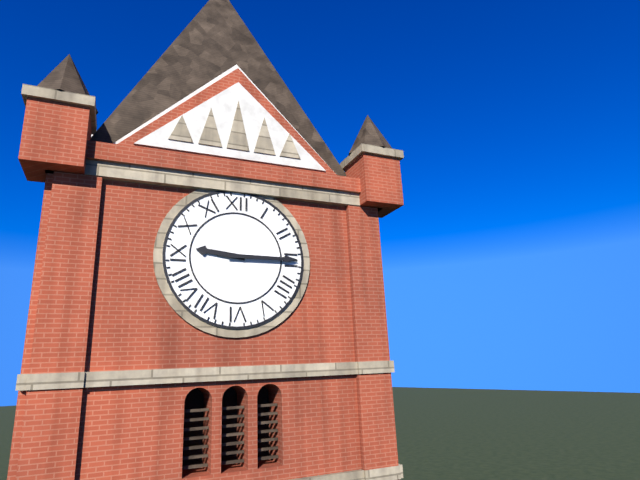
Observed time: 9:15
